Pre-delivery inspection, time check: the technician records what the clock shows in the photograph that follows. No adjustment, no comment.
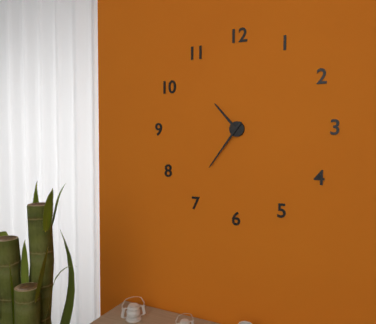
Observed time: 10:36
